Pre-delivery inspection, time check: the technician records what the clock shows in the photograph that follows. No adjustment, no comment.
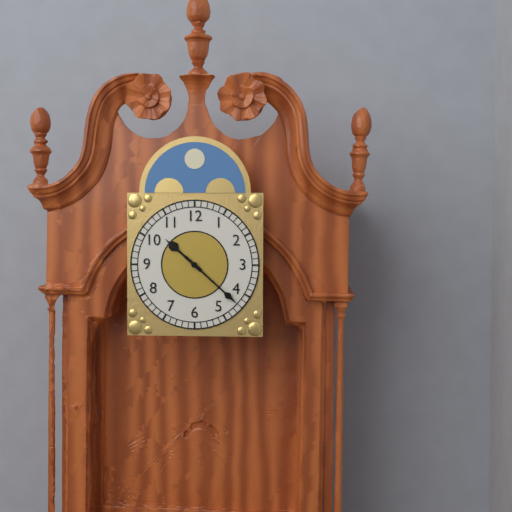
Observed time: 10:22
